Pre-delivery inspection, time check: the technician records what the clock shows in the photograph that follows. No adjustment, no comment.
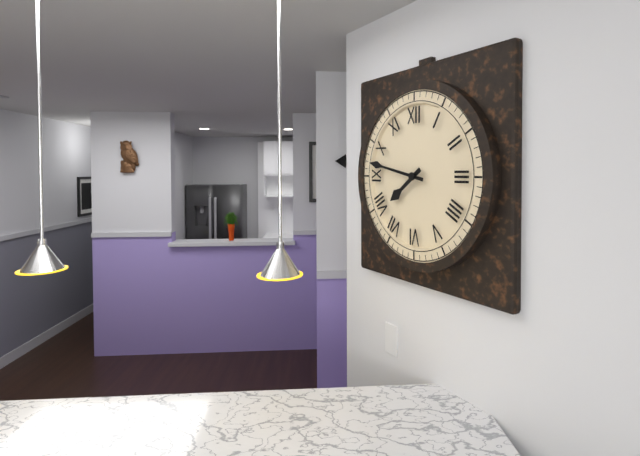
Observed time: 7:47
